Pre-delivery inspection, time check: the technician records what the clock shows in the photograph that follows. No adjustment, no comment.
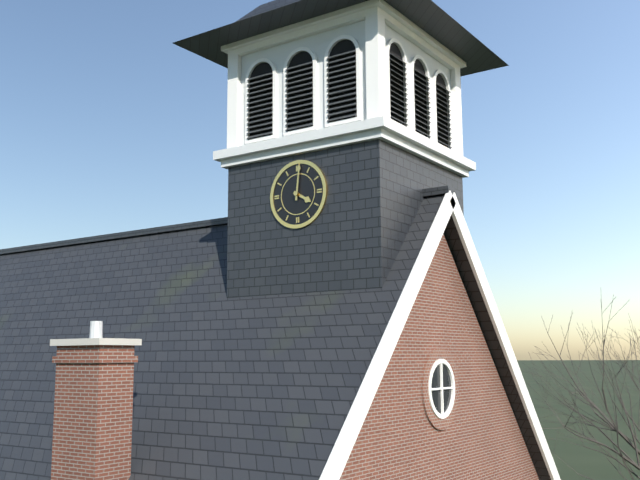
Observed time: 4:01
